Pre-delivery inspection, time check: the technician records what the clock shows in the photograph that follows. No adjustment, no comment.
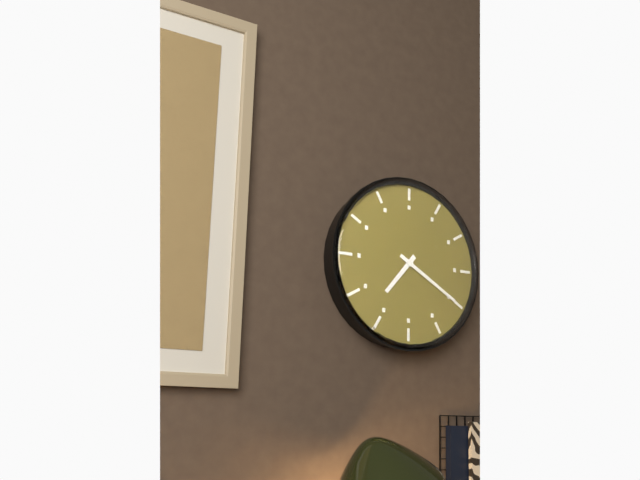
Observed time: 7:20
